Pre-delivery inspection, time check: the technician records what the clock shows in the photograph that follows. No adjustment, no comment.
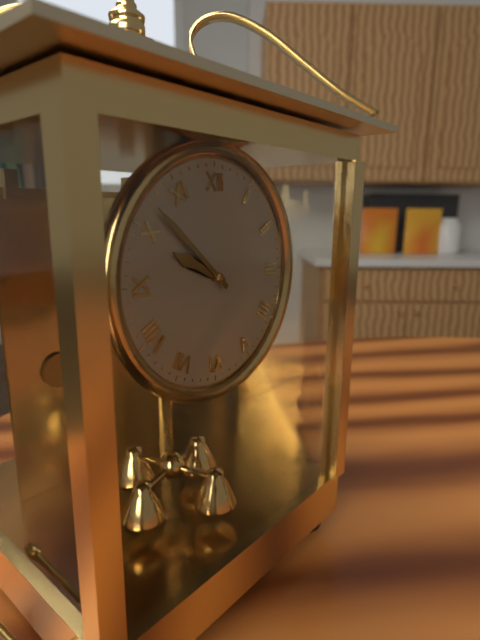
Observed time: 9:52
